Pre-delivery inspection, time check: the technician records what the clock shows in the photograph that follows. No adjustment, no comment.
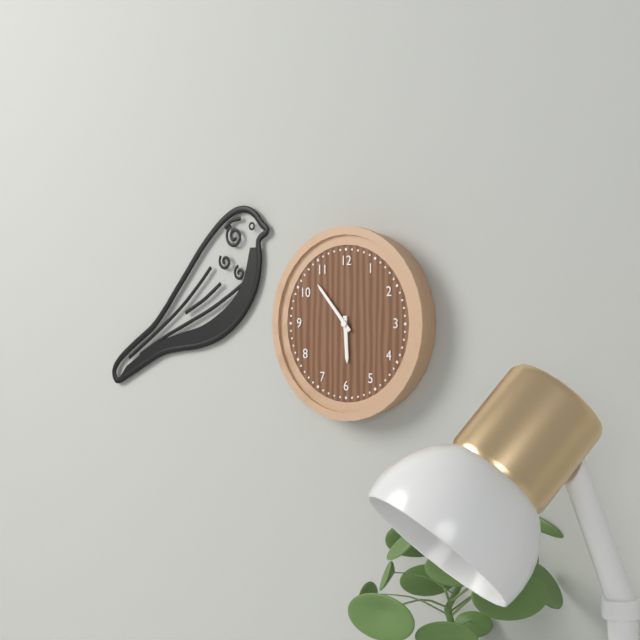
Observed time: 5:53
